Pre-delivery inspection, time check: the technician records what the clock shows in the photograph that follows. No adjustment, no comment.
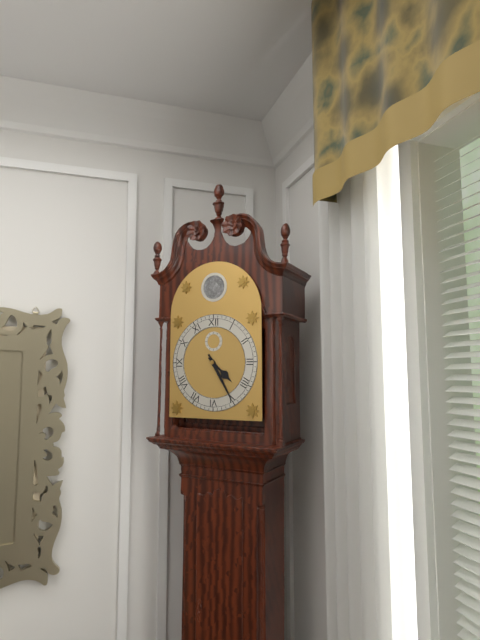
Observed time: 4:25
